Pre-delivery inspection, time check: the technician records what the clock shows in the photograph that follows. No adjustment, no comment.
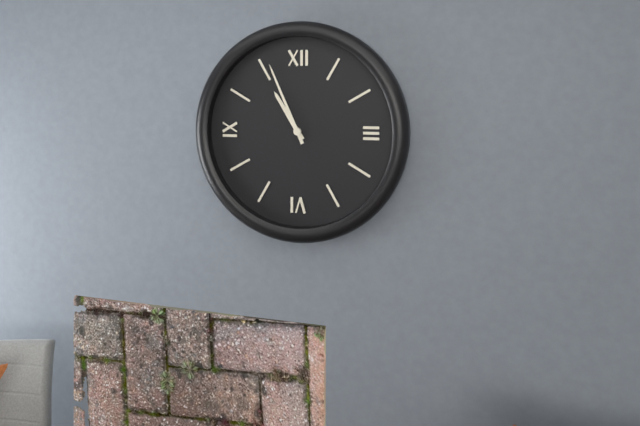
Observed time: 10:56
